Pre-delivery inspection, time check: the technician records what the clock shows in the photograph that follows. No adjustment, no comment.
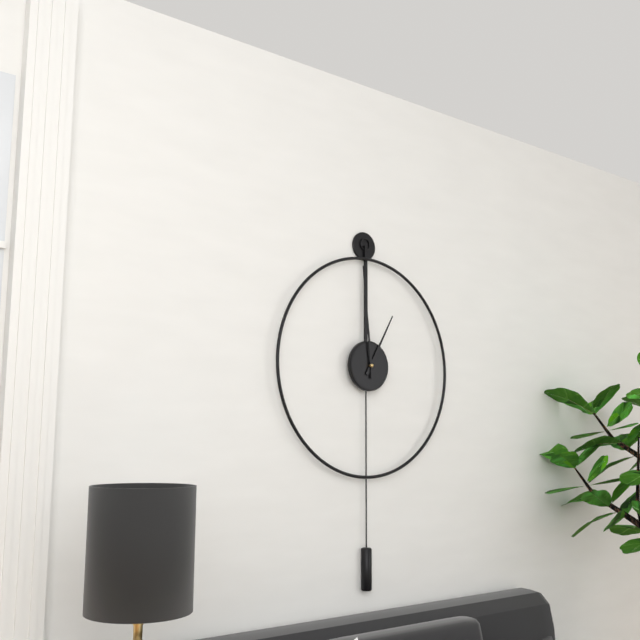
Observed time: 12:59
